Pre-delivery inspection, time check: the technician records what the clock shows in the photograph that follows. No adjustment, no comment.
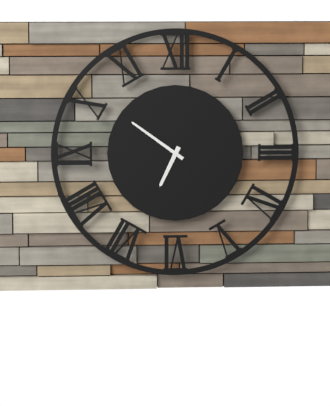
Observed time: 6:51
